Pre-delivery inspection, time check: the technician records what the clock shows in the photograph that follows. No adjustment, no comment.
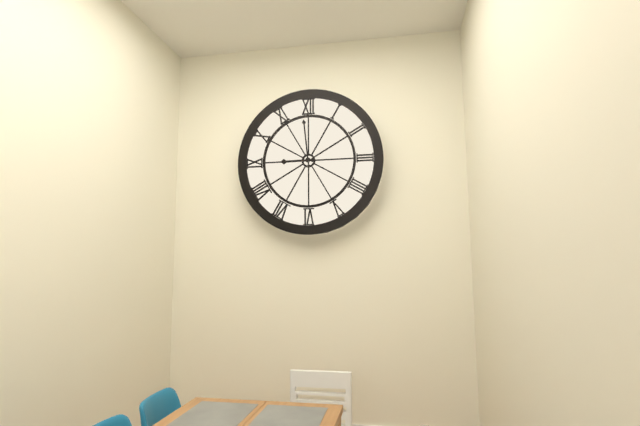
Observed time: 8:59
